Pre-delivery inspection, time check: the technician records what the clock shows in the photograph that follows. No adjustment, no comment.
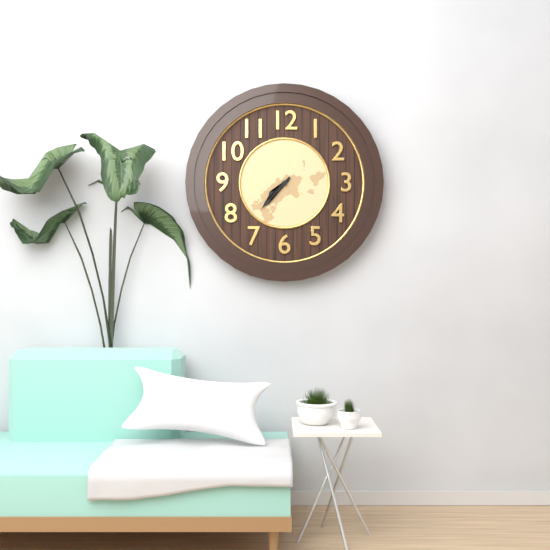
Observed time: 7:37
